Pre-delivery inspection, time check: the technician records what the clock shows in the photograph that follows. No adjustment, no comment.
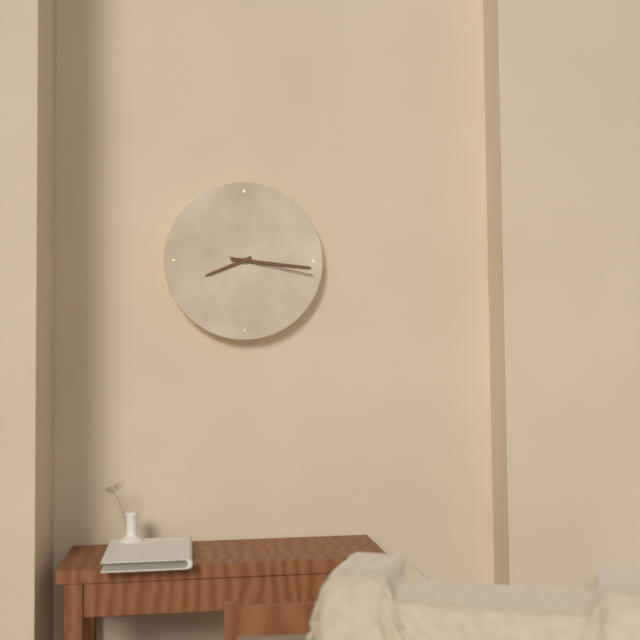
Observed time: 8:16:17
